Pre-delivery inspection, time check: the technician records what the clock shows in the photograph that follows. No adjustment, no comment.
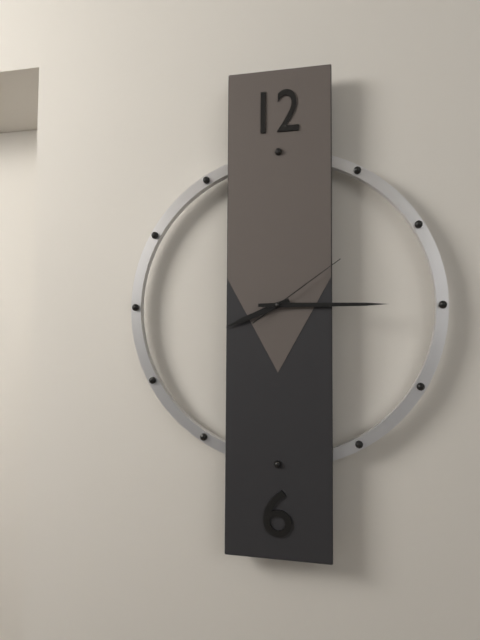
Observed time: 8:15:09
